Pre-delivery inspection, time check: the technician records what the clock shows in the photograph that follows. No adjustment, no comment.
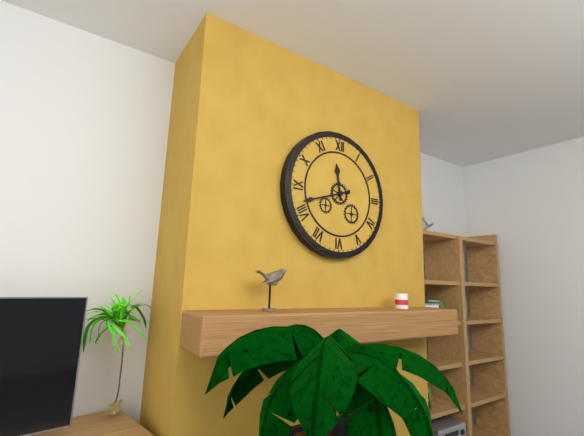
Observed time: 11:42
